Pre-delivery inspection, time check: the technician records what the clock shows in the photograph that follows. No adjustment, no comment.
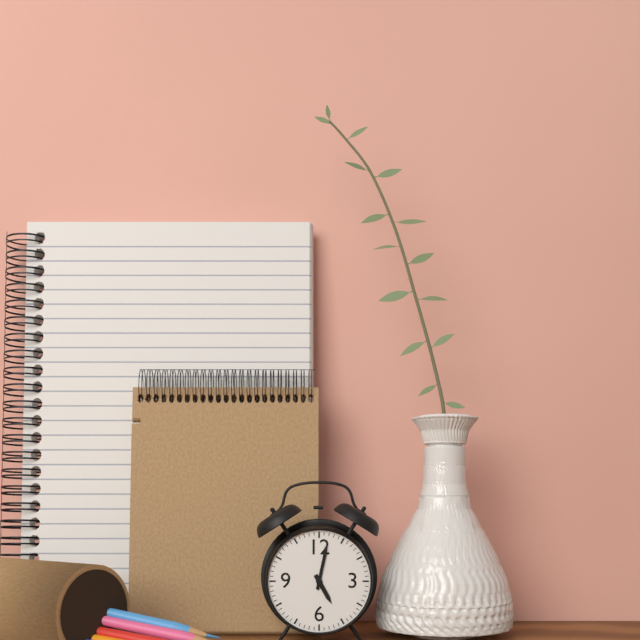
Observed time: 5:02
